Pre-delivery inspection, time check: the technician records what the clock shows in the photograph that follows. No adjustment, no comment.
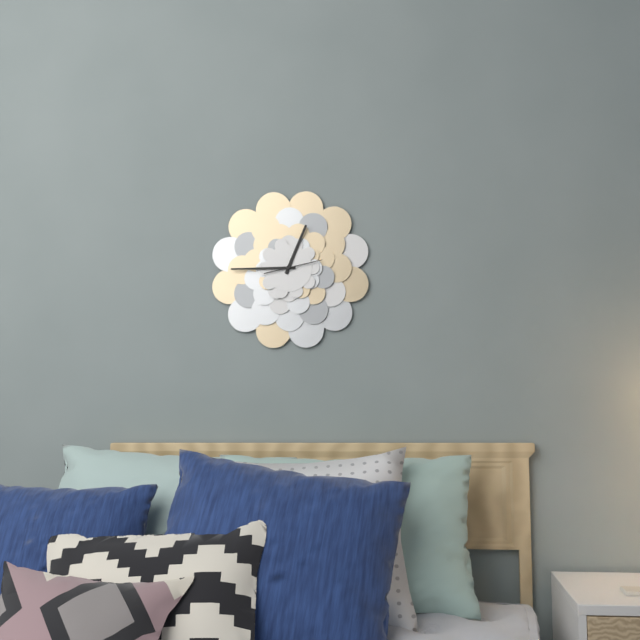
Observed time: 12:45
